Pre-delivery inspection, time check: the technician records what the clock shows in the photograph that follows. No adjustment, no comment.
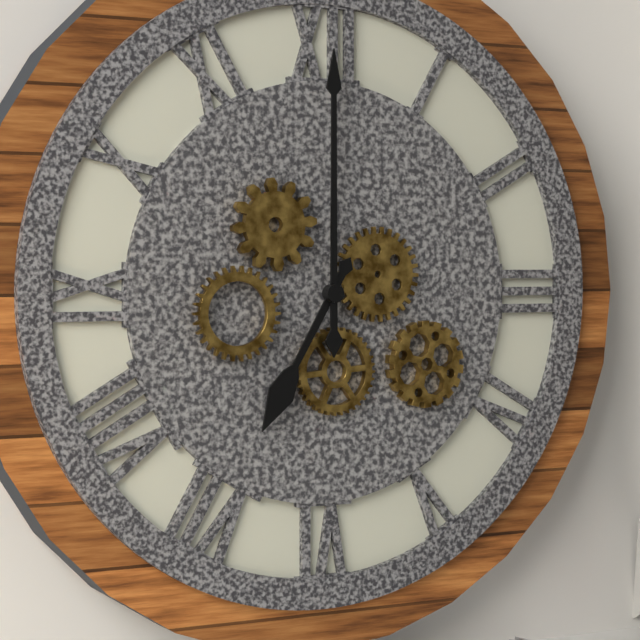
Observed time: 7:00
